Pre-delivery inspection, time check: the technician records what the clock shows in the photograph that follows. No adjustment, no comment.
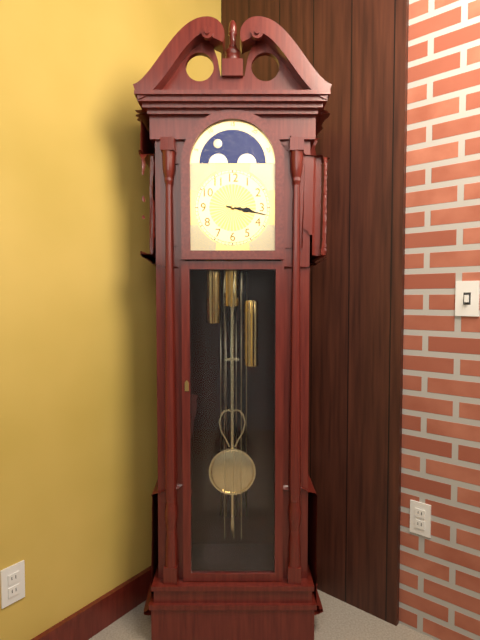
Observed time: 3:17
